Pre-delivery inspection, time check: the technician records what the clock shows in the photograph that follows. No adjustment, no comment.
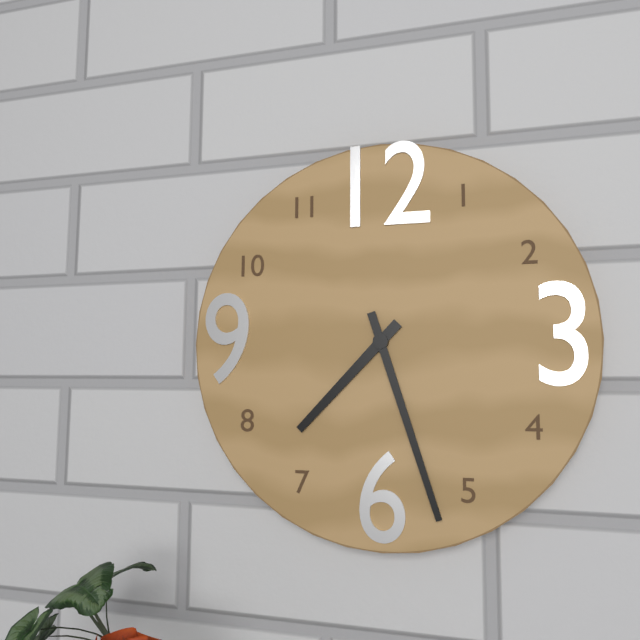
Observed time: 7:27
